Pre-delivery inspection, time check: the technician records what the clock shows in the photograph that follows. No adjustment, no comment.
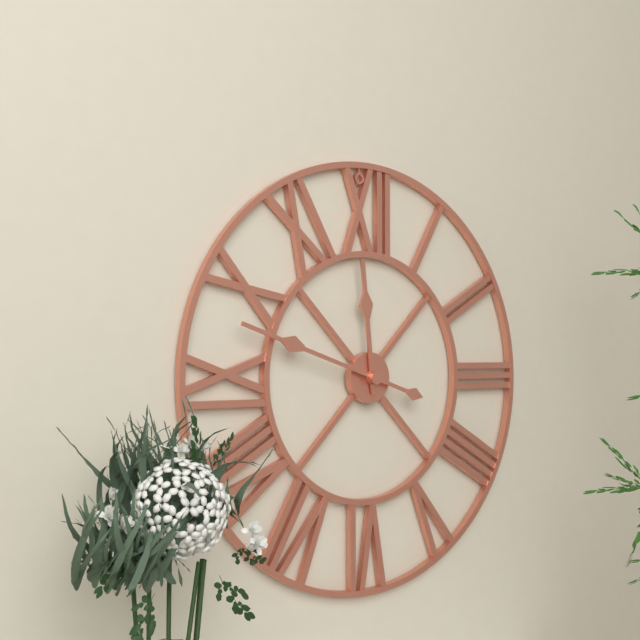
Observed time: 11:48
